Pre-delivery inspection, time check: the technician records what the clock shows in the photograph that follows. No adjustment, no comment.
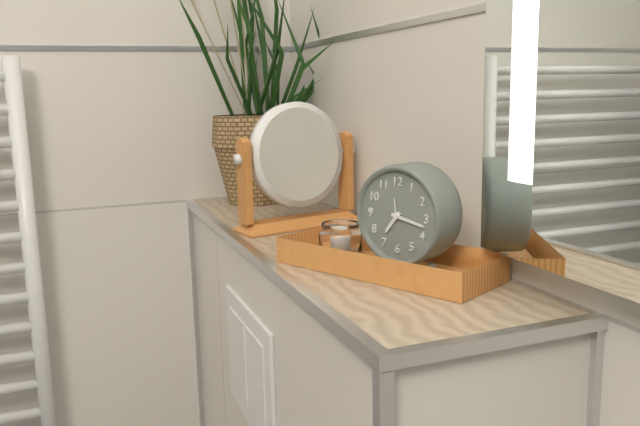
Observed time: 7:17
